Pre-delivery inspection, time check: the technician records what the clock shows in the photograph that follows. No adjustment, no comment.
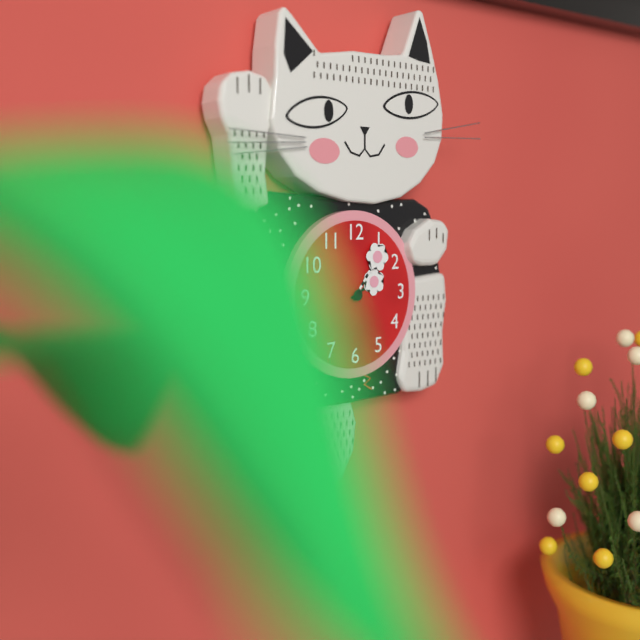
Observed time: 2:06
